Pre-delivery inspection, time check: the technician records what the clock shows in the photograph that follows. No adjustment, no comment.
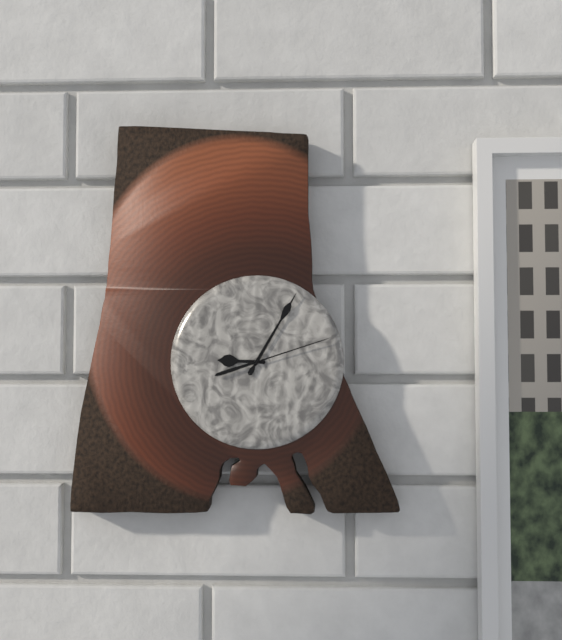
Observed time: 9:05:12
